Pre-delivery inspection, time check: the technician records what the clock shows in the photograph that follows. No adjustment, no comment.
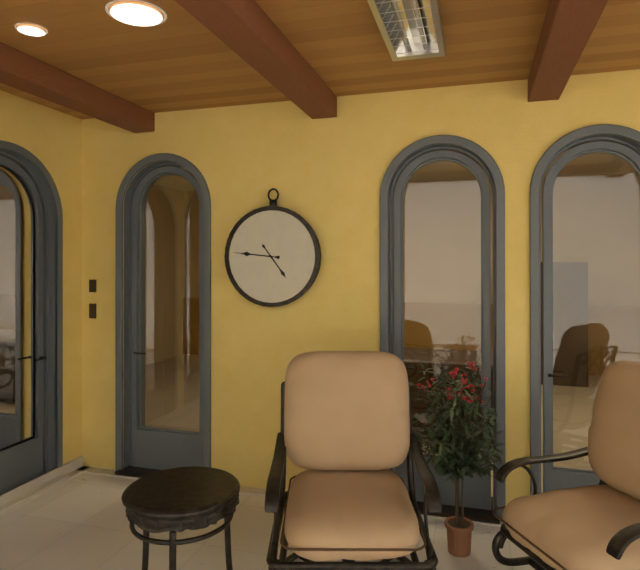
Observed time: 4:46
